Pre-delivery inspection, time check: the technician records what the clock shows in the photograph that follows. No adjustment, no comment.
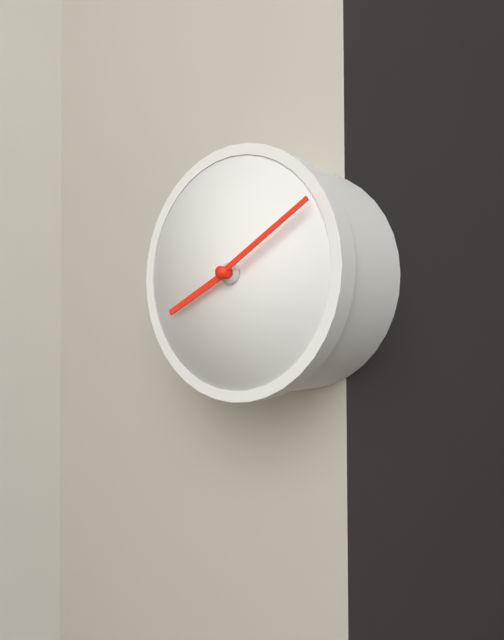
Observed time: 8:10
